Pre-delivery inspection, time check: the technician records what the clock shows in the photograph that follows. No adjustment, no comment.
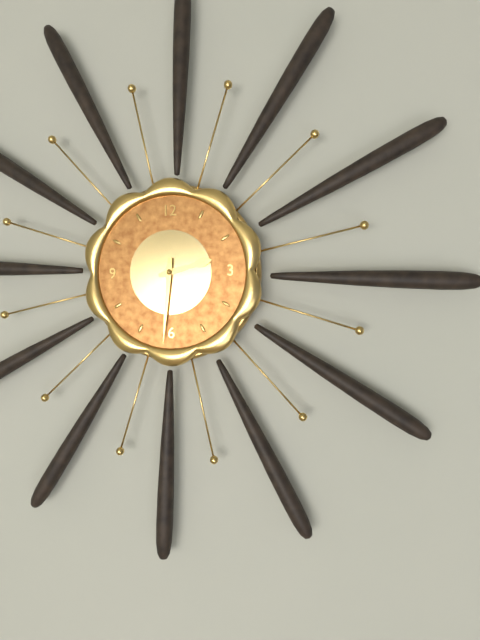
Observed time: 2:31
